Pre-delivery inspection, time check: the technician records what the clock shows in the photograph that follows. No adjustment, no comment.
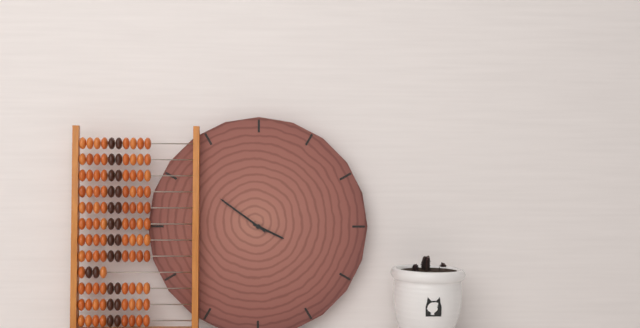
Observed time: 3:51
